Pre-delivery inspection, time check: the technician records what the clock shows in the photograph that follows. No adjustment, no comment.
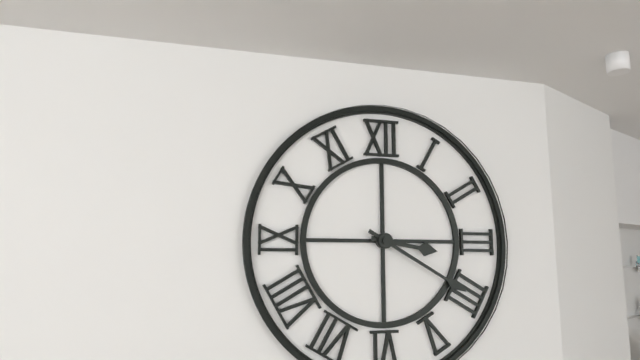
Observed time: 3:20
